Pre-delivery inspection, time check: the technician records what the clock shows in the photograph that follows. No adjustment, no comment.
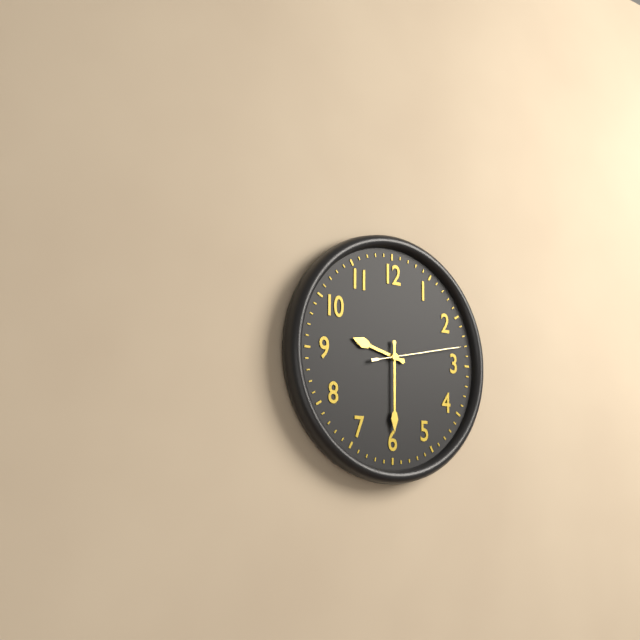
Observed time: 9:30:13
